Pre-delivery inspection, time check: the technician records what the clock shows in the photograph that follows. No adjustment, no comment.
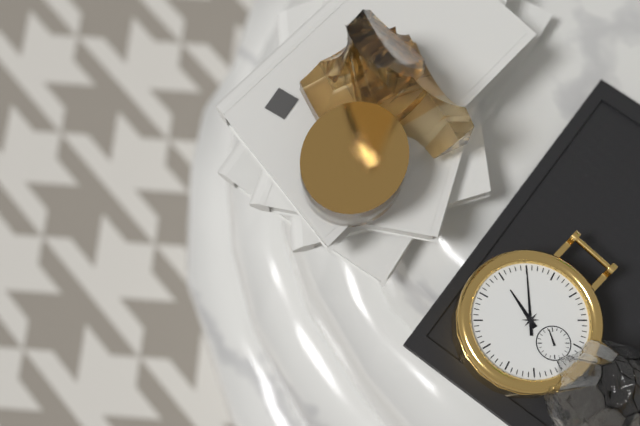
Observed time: 11:00
